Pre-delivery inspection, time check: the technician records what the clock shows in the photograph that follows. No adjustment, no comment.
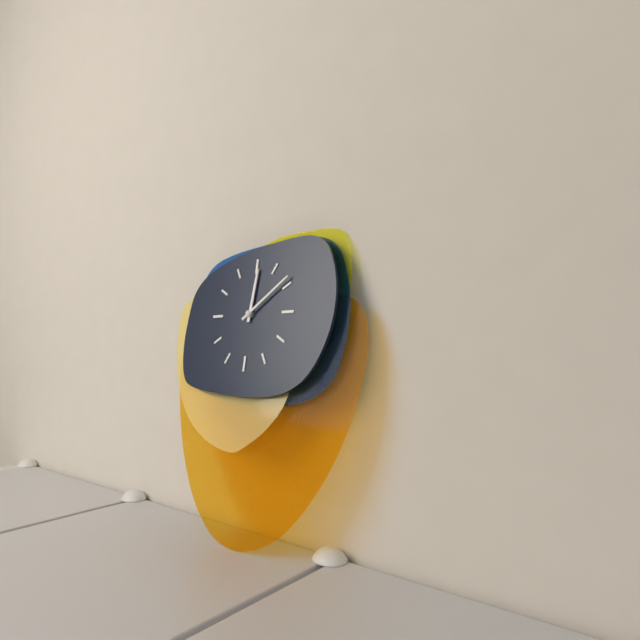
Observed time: 12:09
